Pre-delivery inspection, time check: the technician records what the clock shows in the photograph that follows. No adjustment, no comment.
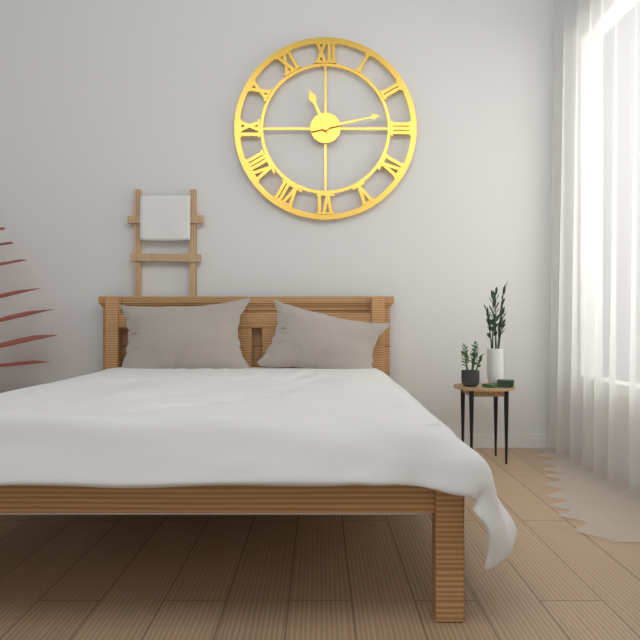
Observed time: 11:13
